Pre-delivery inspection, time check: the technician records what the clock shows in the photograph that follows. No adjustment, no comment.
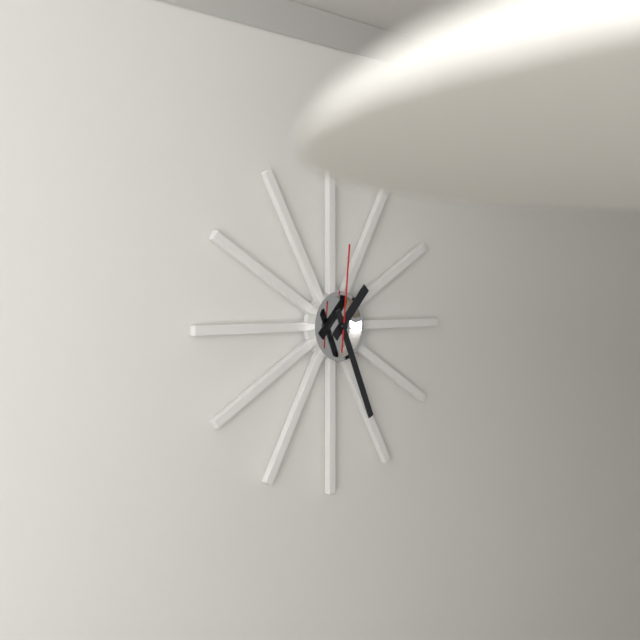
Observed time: 1:26:01
